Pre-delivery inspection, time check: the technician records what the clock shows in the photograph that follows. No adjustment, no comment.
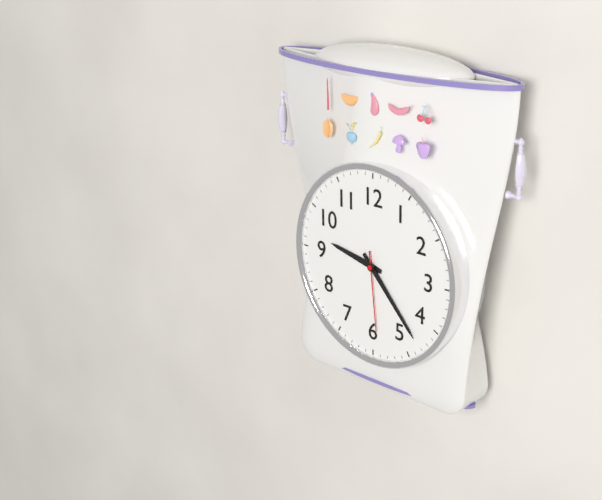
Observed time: 9:23:29
